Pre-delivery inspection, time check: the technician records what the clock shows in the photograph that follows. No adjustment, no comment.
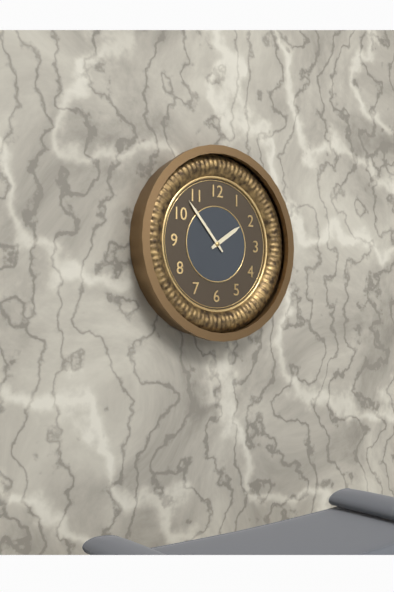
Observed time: 1:53
